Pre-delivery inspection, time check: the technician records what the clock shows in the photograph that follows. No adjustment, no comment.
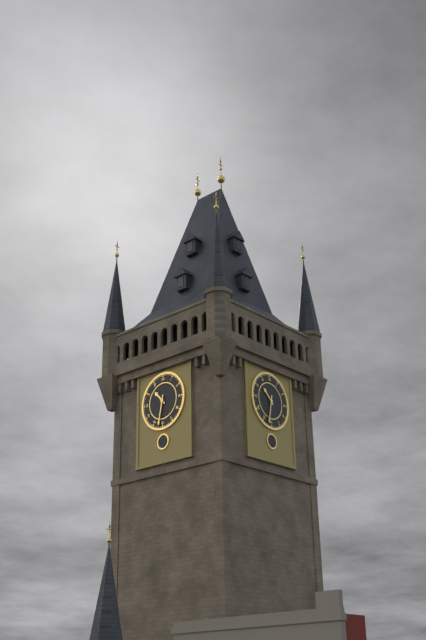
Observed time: 10:32
